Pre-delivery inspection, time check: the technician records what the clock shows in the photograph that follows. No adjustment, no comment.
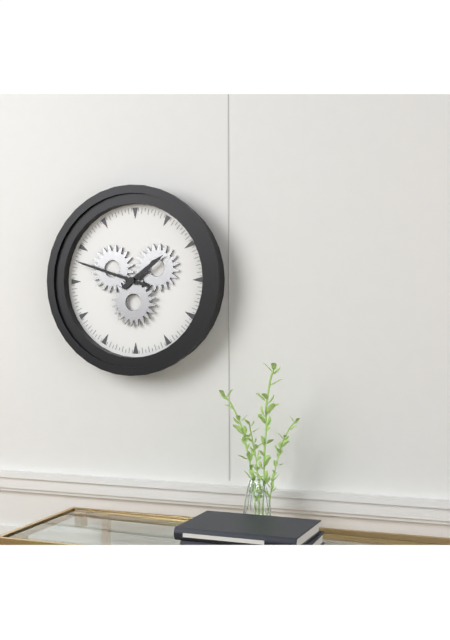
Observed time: 1:48
